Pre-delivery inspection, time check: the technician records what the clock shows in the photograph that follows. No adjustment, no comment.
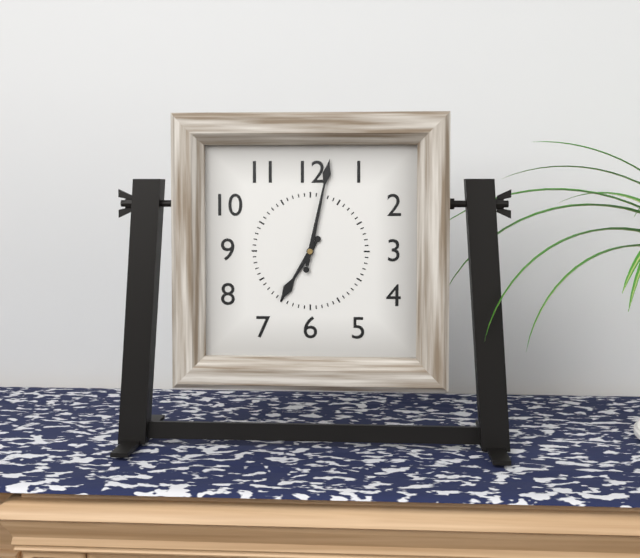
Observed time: 7:02
